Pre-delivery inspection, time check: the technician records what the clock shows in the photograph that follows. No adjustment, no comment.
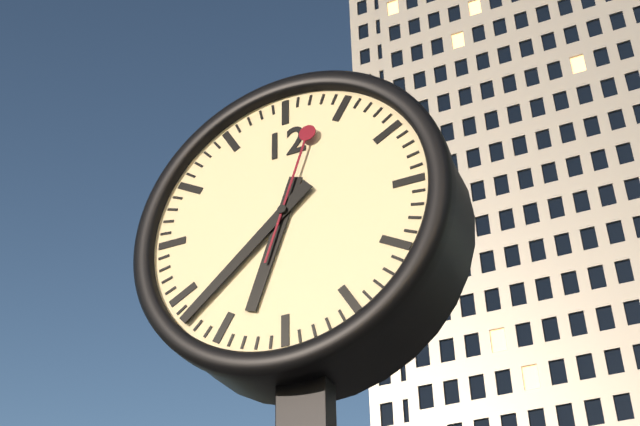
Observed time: 6:38:03
